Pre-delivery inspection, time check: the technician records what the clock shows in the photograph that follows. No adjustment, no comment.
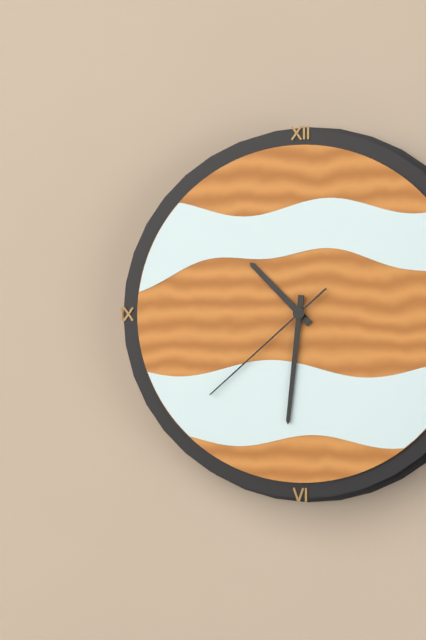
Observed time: 10:31:38
